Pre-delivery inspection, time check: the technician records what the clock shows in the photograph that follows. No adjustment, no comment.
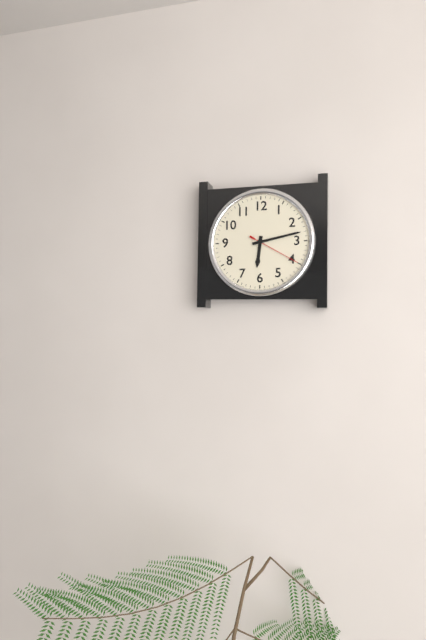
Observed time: 6:13:20
